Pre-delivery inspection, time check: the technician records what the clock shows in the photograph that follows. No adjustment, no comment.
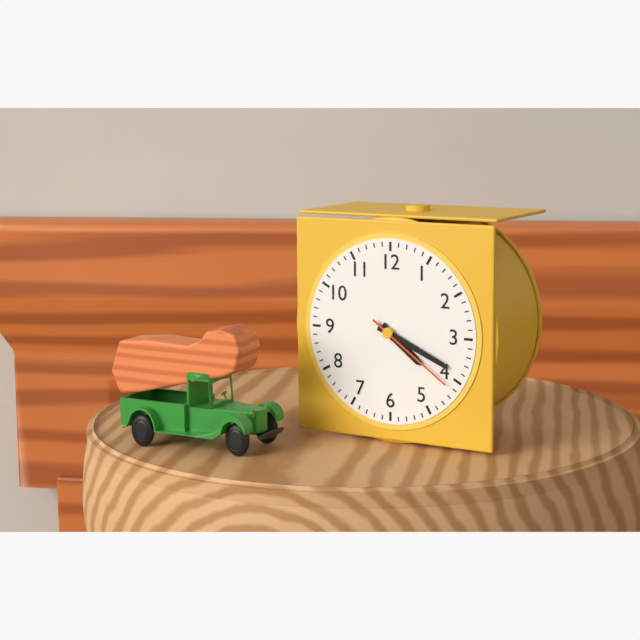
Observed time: 4:19:21
